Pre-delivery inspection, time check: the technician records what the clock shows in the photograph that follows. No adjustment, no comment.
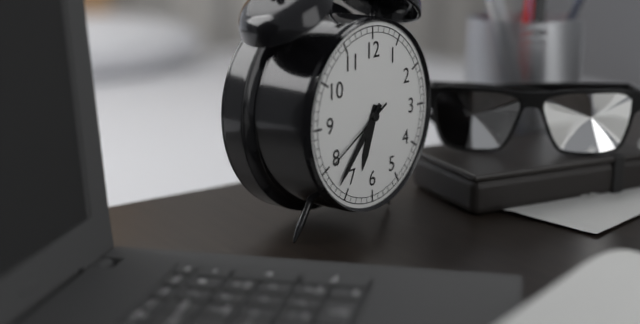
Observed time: 6:37:40
